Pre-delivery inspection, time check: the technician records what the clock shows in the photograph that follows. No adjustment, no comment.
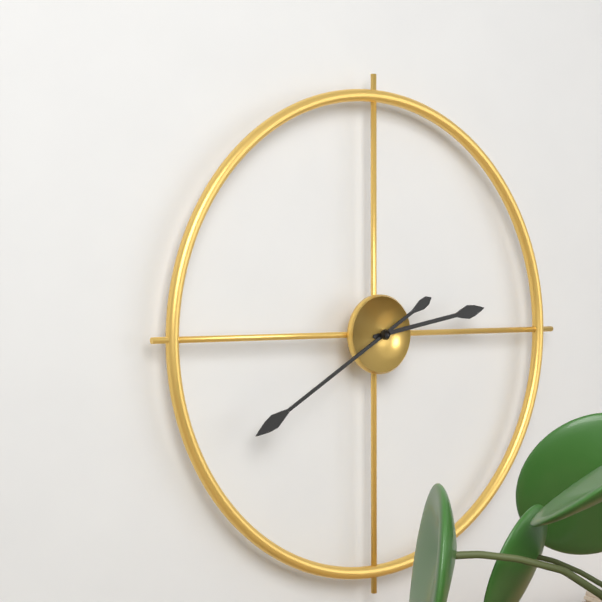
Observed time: 2:40
